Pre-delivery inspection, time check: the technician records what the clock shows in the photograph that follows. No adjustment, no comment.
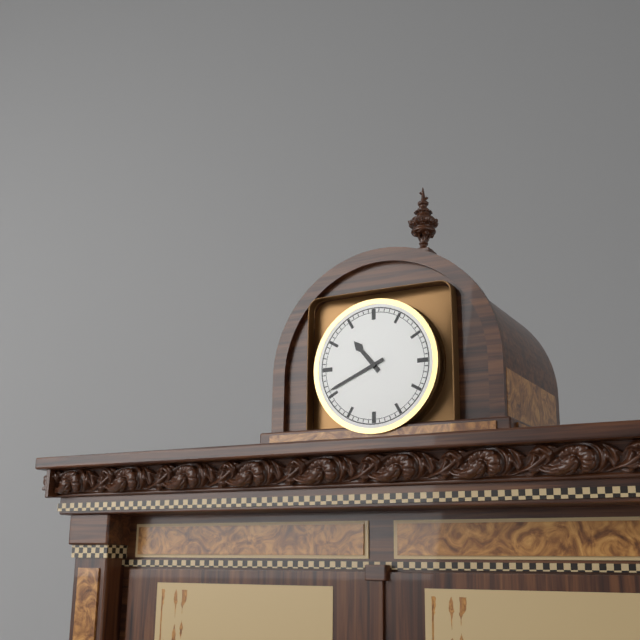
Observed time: 10:41
